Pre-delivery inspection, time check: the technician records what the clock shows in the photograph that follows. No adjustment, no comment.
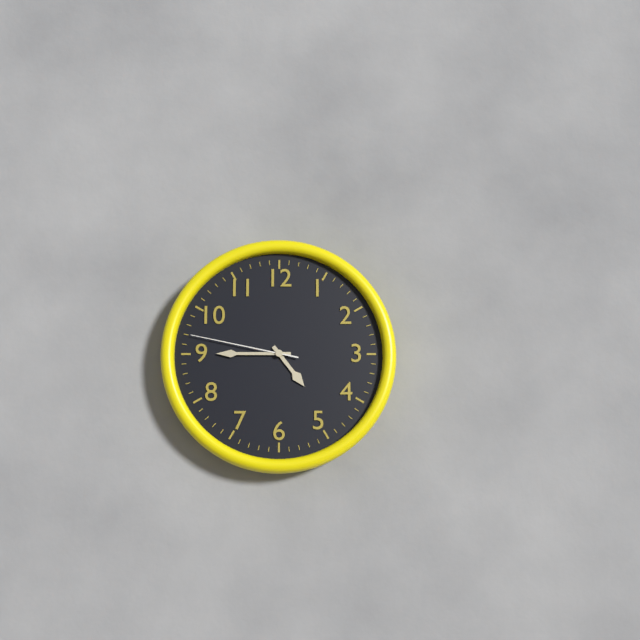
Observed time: 4:45:47
